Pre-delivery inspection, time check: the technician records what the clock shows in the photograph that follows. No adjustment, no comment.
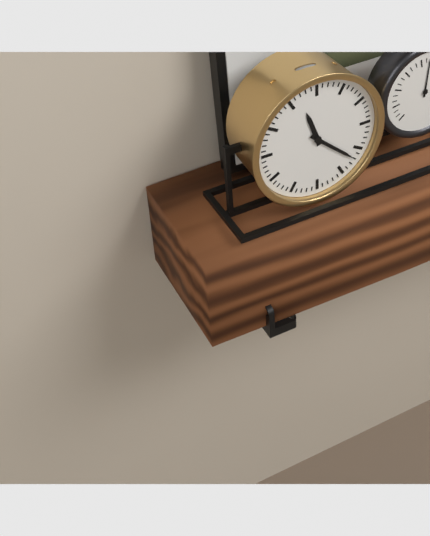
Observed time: 11:22
